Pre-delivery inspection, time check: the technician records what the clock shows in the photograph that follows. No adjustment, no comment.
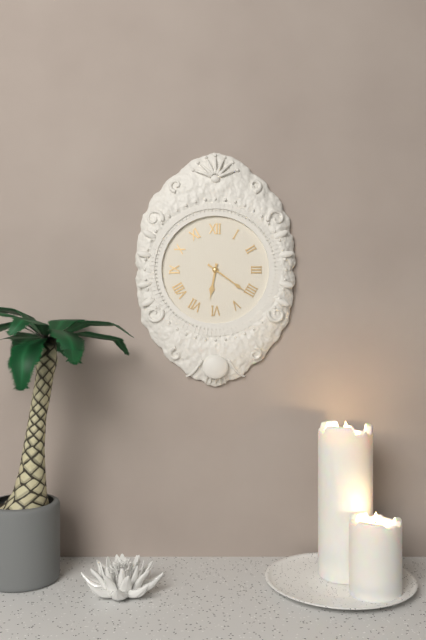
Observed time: 6:21
